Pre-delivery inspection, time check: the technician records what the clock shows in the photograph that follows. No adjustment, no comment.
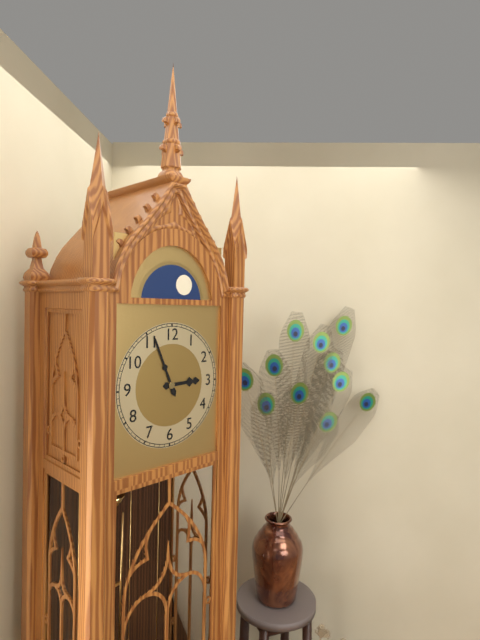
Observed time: 2:56
